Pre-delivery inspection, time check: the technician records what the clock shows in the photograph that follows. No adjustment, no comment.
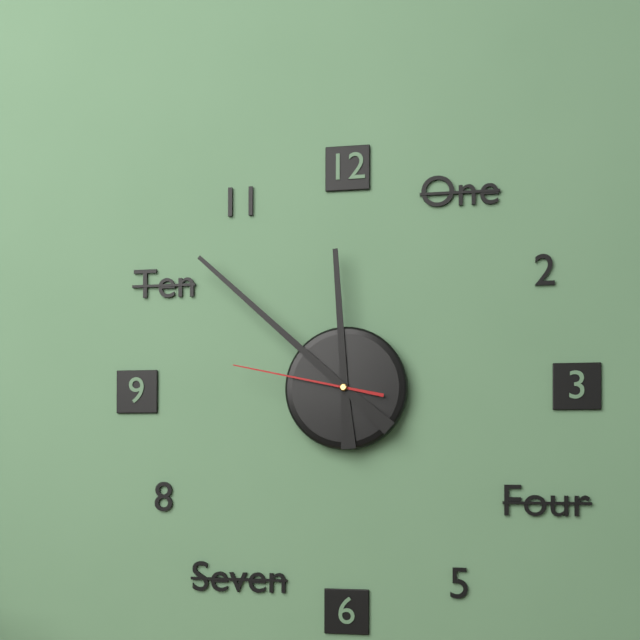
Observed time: 11:52:47
